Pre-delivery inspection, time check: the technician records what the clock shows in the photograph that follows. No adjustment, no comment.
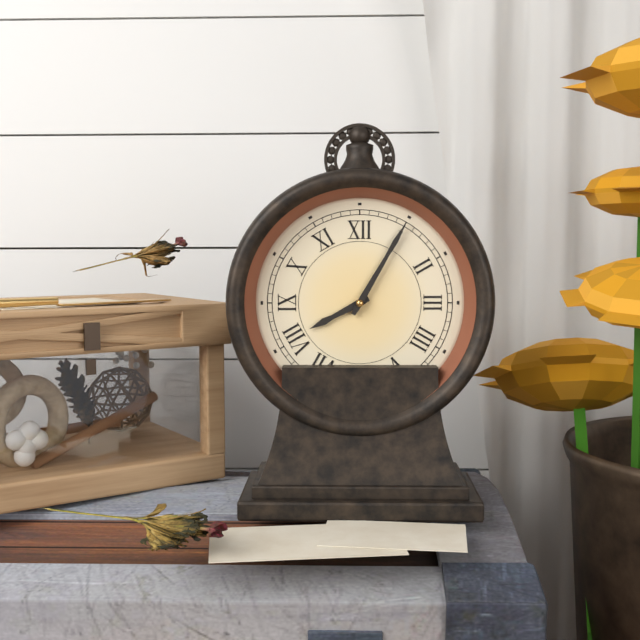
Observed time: 8:05
